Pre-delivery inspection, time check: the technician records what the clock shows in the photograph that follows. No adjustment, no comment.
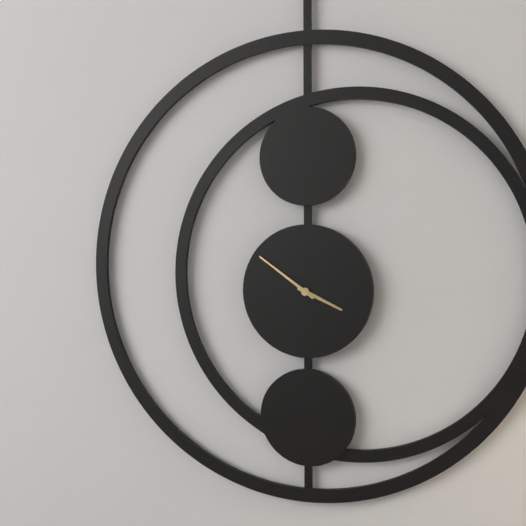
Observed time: 3:51
